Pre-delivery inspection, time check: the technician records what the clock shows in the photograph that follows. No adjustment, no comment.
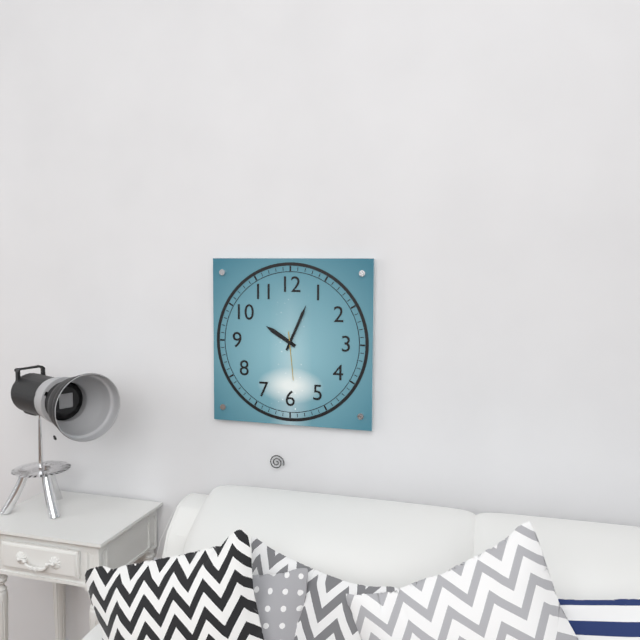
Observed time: 10:04
